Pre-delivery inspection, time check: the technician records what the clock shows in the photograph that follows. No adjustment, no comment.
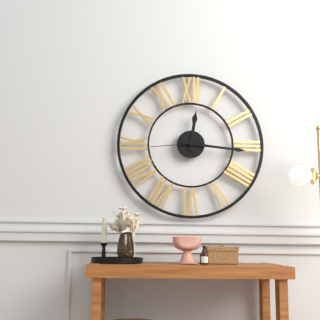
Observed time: 12:16:44
